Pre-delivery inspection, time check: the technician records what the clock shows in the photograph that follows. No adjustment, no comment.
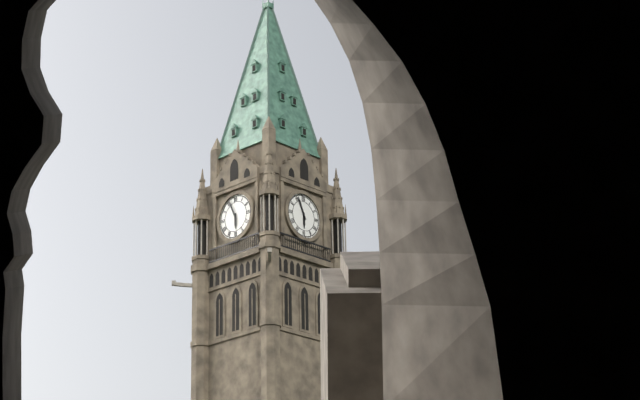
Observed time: 5:56
